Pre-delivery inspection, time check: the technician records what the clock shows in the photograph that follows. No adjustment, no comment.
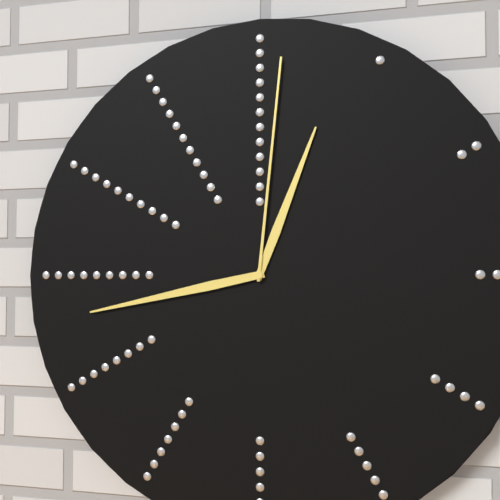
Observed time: 12:43:01
